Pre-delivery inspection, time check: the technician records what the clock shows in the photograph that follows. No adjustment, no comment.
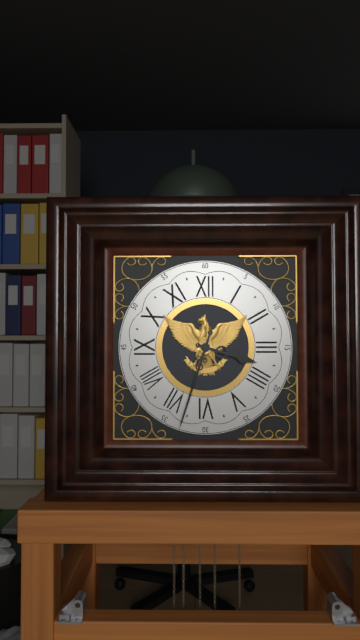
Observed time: 3:33
